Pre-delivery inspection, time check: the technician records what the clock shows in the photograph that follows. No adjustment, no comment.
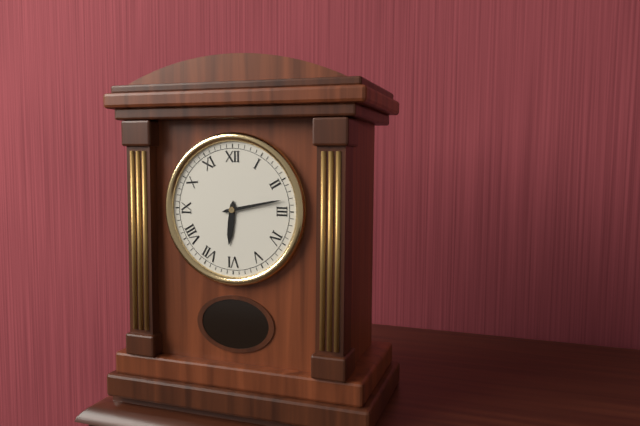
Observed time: 6:13
